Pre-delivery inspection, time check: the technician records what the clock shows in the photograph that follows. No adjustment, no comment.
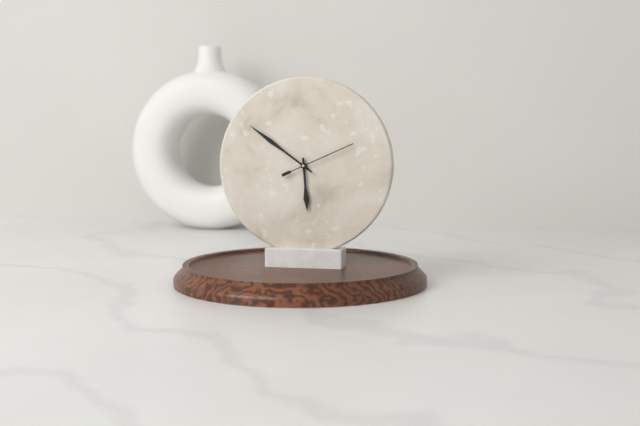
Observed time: 5:51:11
